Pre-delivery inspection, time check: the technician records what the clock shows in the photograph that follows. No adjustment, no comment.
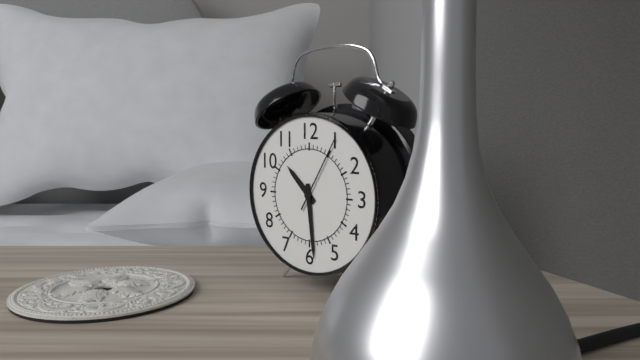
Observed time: 10:29:05
